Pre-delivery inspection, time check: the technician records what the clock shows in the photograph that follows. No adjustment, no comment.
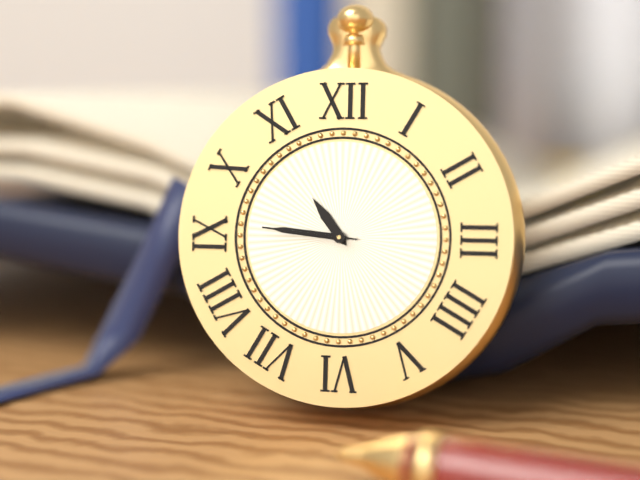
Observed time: 10:46:46
